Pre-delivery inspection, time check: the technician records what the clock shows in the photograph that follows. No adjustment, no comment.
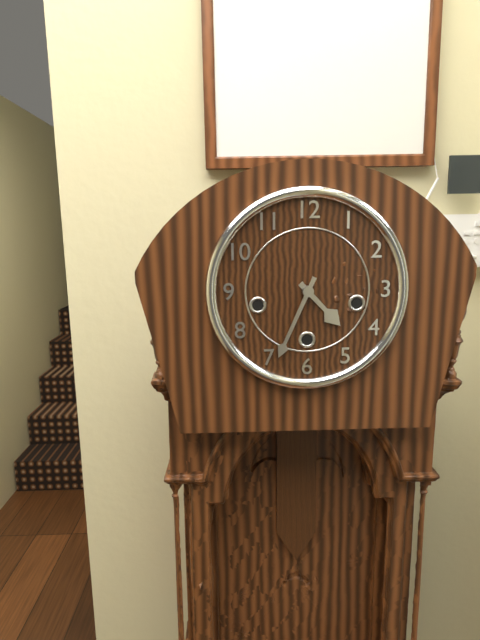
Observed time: 4:34
